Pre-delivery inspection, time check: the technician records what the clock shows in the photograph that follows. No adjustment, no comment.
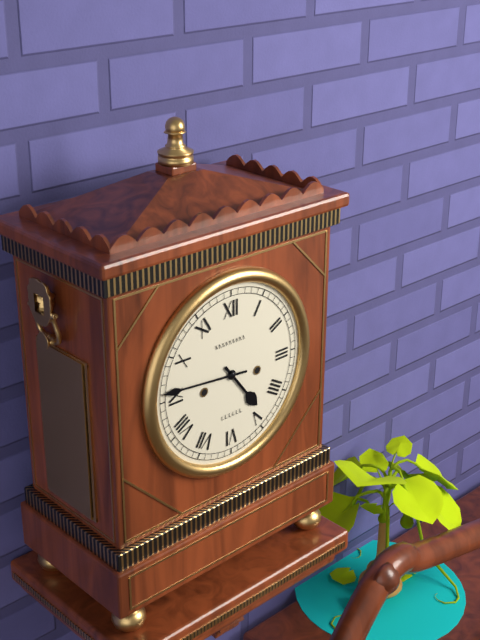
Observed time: 4:46
